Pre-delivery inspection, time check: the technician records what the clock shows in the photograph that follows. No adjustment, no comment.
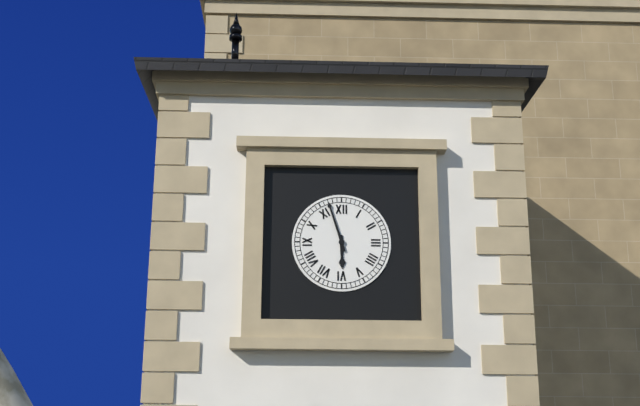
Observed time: 5:57
